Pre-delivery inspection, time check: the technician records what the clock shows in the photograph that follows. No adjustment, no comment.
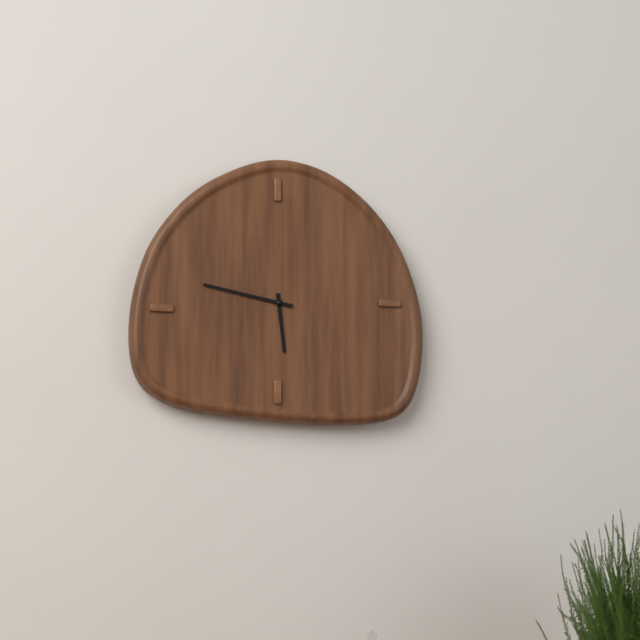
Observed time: 5:47
